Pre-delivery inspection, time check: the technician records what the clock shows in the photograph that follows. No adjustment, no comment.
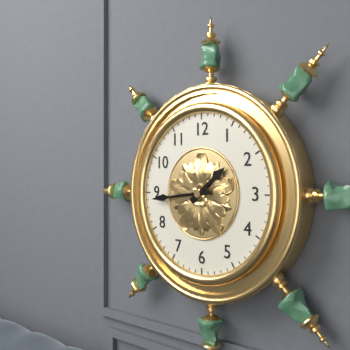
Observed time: 1:44
